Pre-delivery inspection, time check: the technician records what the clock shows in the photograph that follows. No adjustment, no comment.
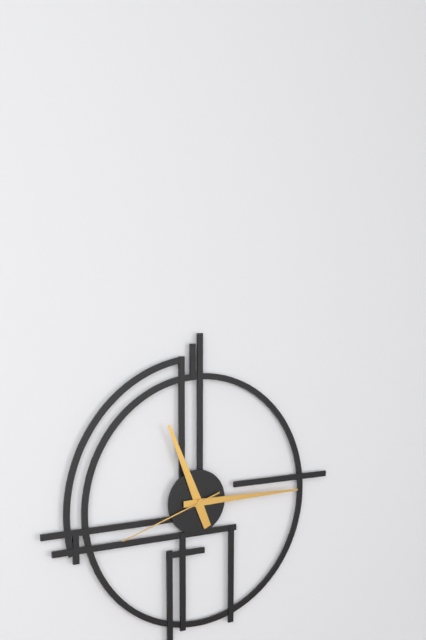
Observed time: 11:15:42
